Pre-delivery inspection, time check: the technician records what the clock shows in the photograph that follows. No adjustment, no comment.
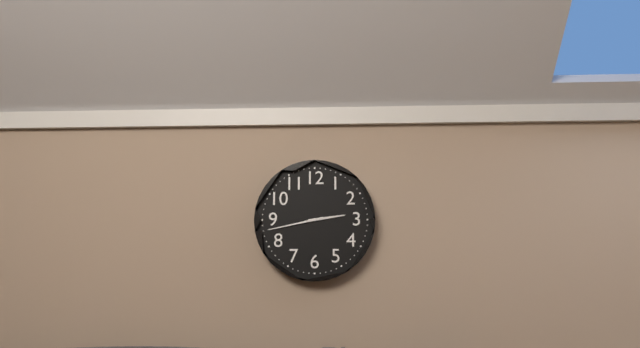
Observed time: 2:43
